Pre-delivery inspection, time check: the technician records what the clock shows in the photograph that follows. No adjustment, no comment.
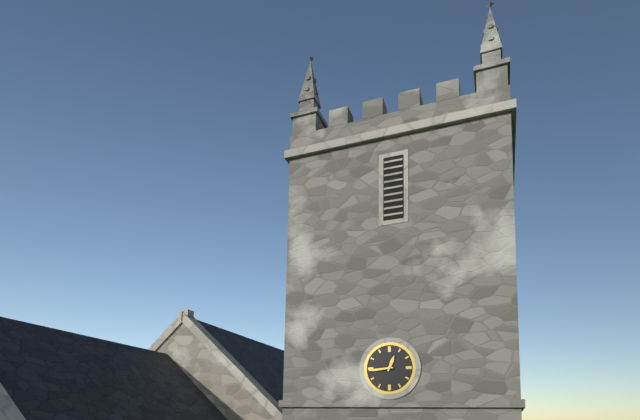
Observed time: 12:44
